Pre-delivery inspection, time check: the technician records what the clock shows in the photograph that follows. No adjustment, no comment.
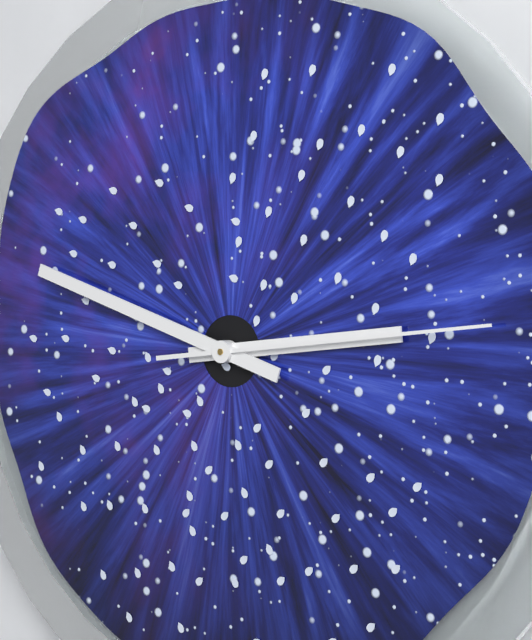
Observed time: 2:48:14
